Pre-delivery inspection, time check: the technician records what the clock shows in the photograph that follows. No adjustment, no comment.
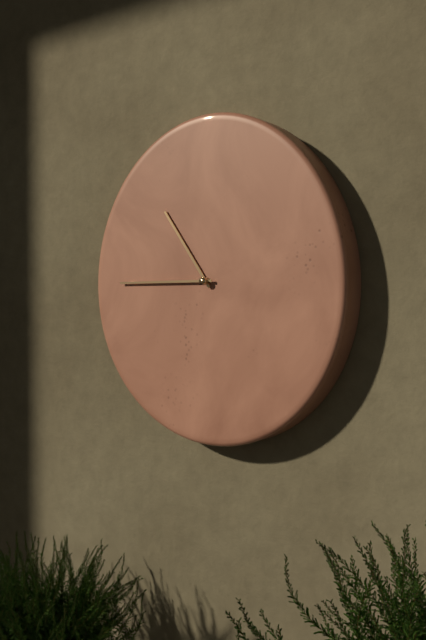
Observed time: 10:45
